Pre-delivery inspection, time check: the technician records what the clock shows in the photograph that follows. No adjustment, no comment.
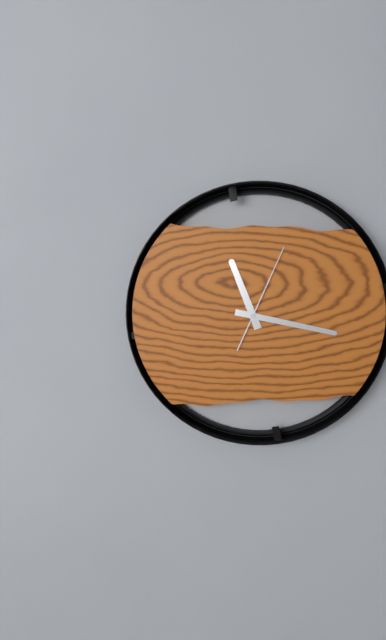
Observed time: 11:17:04
